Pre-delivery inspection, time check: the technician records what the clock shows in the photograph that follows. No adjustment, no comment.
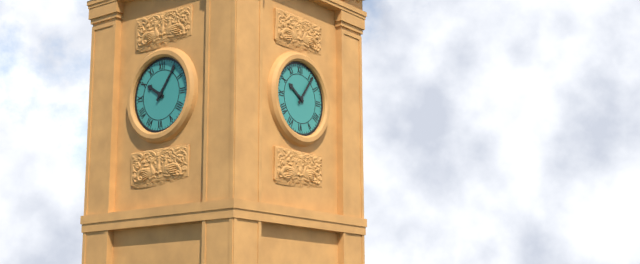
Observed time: 10:06
